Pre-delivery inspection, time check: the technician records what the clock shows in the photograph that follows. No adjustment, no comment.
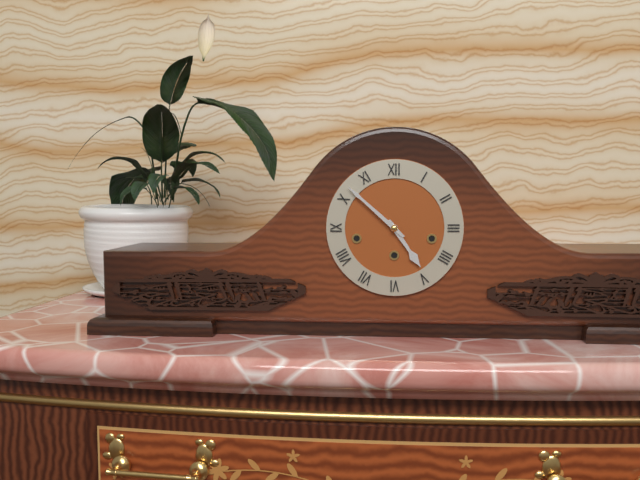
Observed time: 4:52
